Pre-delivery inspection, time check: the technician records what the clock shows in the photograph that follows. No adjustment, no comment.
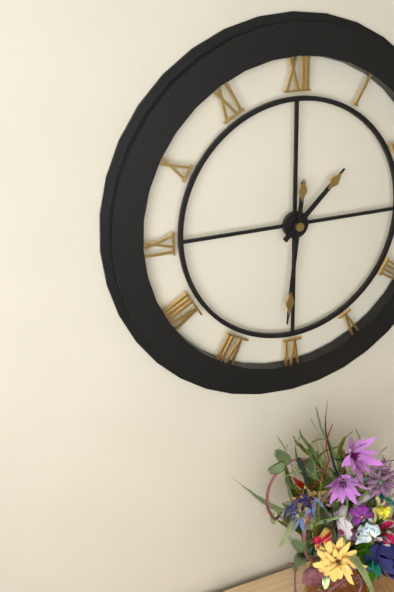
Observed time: 1:31
